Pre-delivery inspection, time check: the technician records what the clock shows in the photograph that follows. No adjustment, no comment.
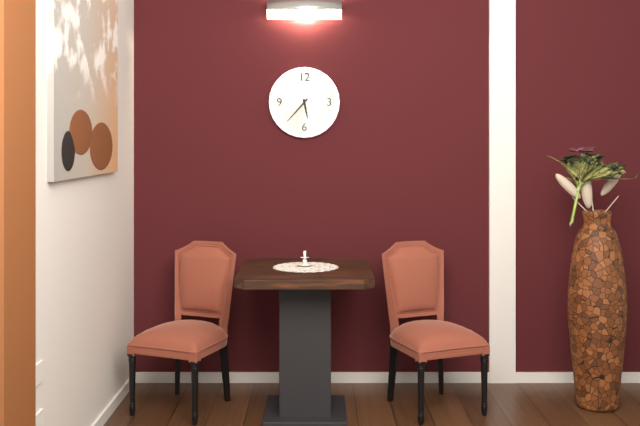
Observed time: 5:37
